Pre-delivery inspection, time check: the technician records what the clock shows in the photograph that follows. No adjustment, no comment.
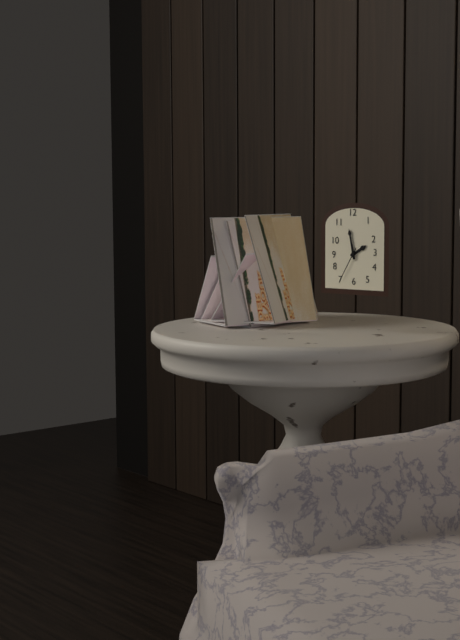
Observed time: 1:58
